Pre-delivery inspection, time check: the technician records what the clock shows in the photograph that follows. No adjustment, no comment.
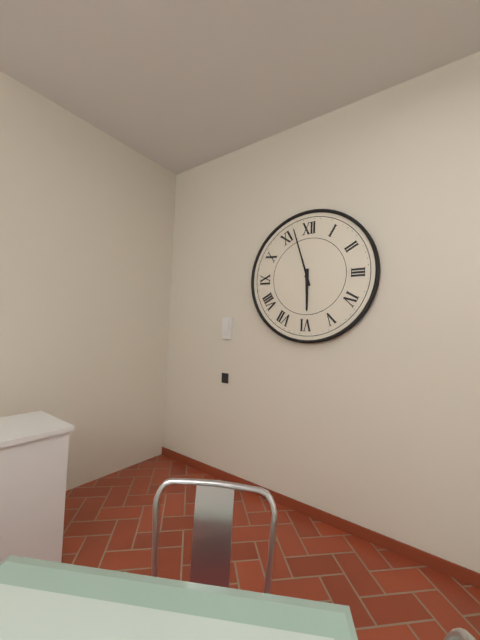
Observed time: 5:57
